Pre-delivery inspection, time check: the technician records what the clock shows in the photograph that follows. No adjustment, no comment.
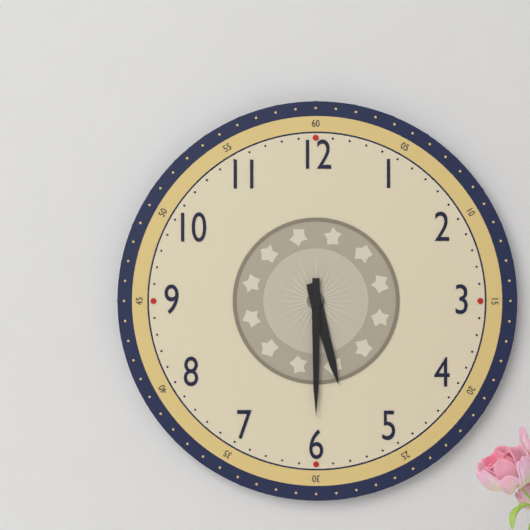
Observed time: 5:30
